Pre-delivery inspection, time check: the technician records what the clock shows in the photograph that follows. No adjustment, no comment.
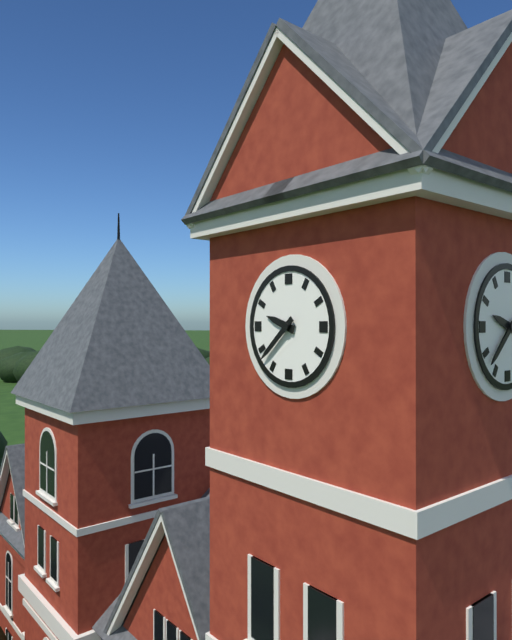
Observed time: 9:38
